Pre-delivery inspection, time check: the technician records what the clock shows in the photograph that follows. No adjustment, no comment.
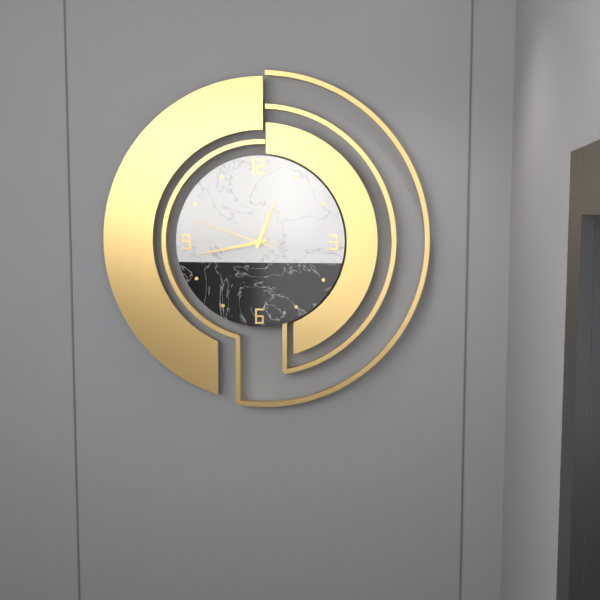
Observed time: 12:43:48
